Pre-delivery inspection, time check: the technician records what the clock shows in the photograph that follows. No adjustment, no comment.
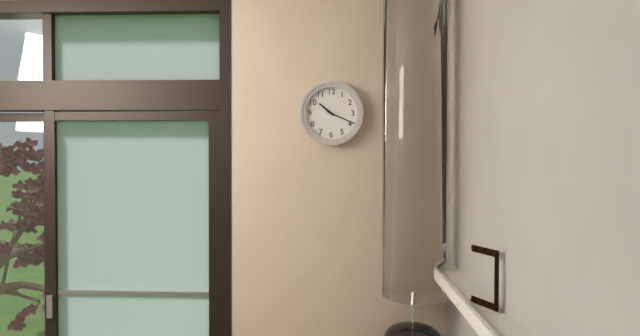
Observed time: 10:19
